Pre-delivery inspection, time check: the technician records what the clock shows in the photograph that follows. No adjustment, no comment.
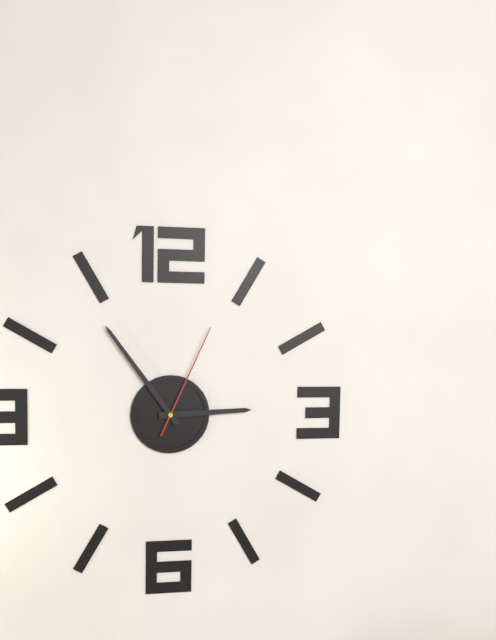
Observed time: 2:54:04
